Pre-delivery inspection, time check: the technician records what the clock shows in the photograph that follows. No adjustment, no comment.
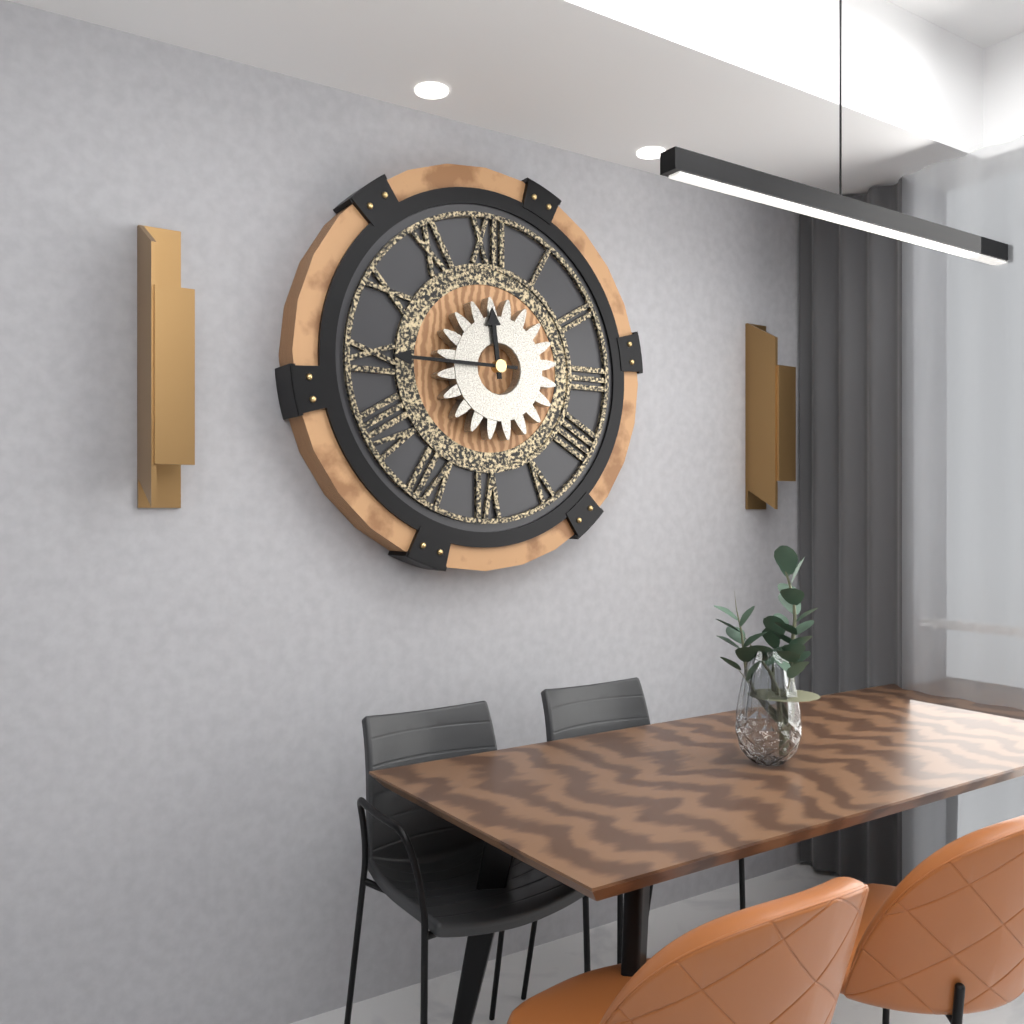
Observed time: 11:45
